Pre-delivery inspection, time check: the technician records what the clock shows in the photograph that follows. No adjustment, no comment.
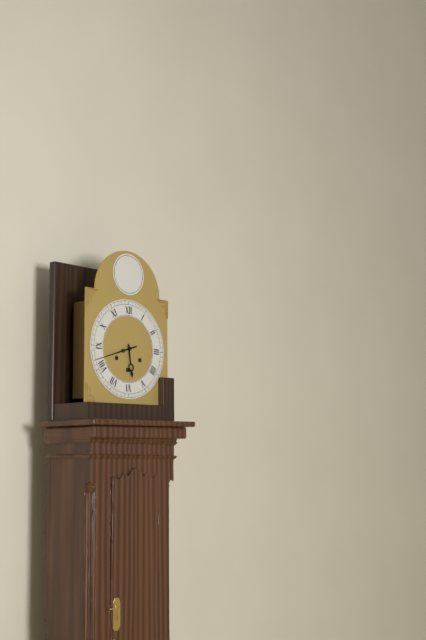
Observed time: 5:42
